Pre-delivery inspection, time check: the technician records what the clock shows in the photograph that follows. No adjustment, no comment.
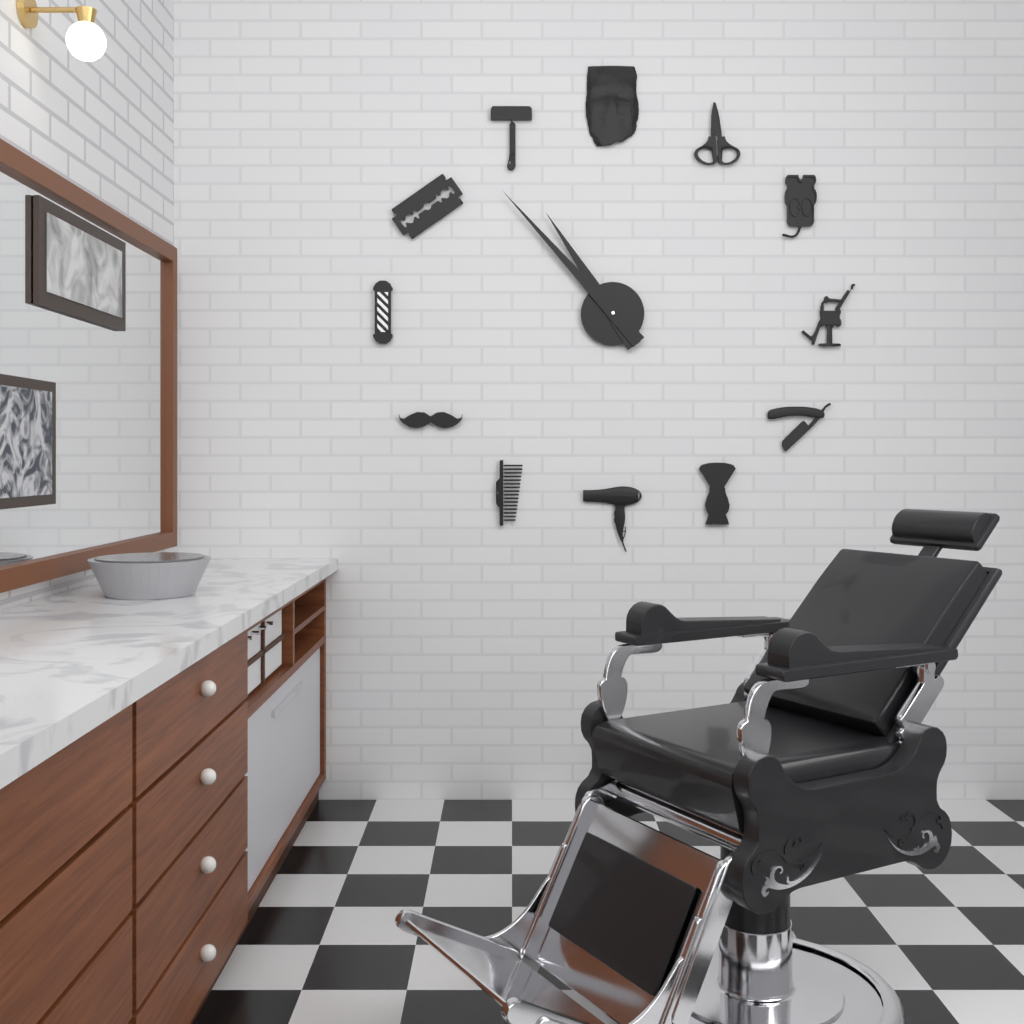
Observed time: 10:53
